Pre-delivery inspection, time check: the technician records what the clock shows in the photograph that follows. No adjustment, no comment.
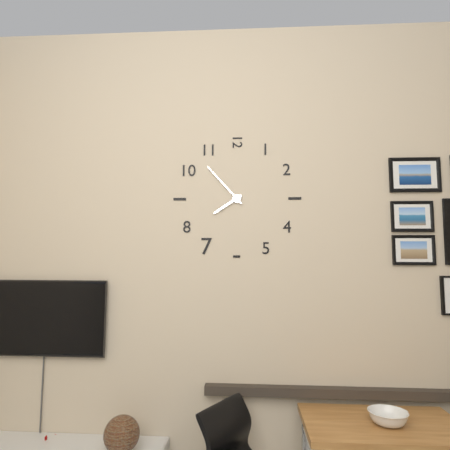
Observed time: 7:53
